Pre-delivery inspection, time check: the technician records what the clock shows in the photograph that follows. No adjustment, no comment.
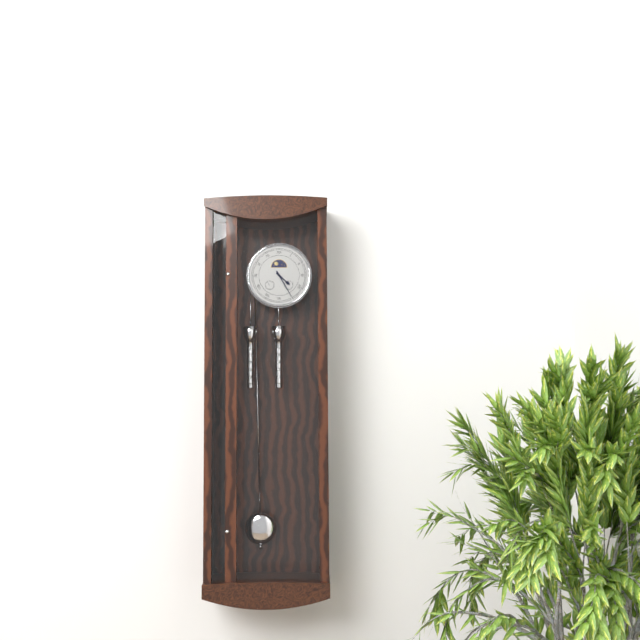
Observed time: 4:25
